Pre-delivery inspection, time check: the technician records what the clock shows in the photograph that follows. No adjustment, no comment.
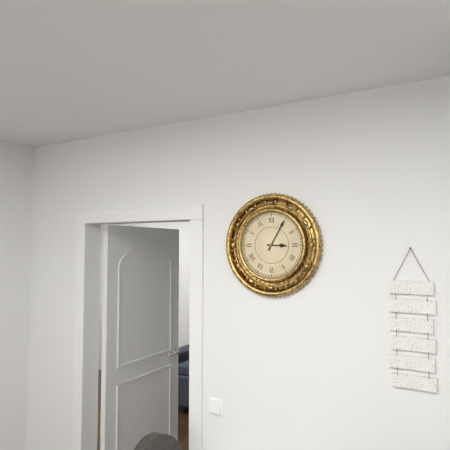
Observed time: 3:05
